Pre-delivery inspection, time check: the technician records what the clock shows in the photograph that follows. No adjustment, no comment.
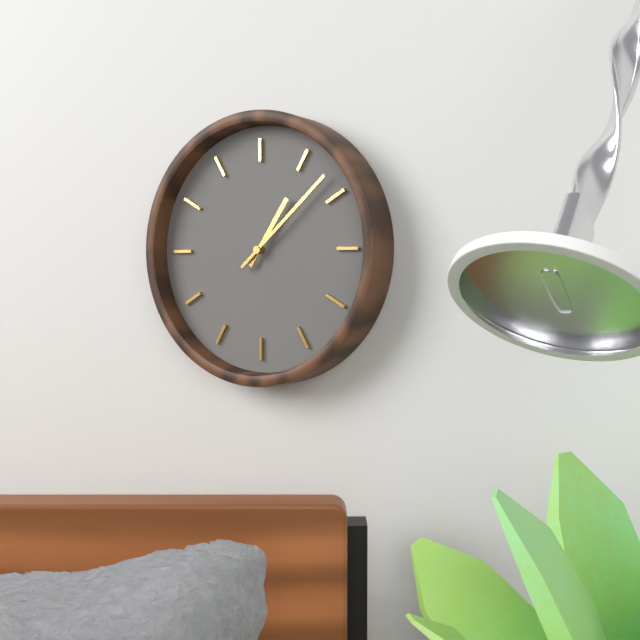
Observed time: 1:08
